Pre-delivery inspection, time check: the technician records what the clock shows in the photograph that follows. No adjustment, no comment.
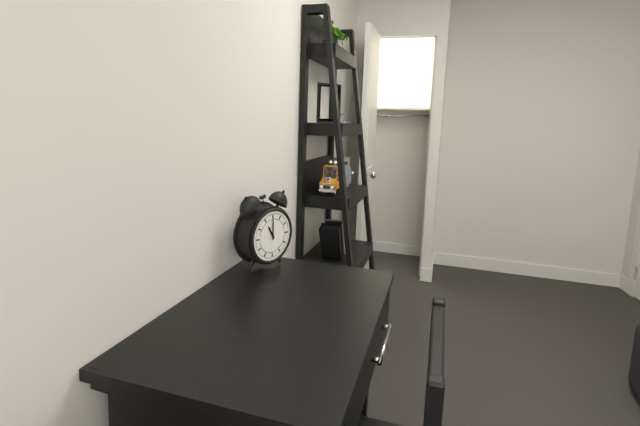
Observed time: 11:00
